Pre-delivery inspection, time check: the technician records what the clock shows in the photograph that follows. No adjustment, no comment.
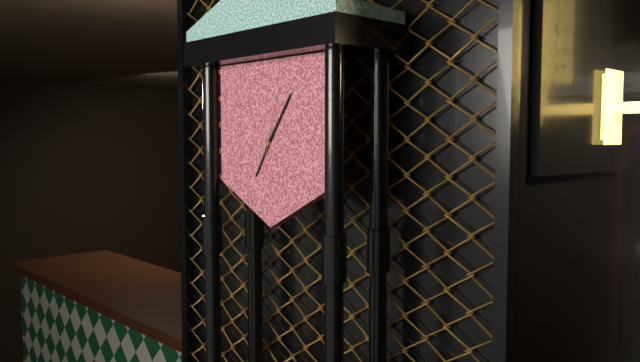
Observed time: 7:06:03
